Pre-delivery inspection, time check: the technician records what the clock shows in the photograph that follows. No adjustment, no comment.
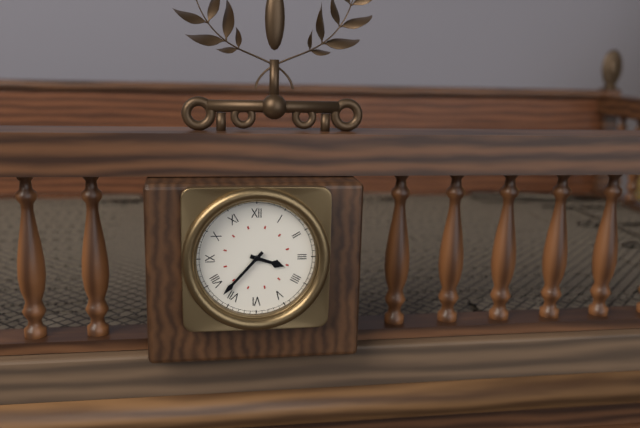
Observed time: 3:37
